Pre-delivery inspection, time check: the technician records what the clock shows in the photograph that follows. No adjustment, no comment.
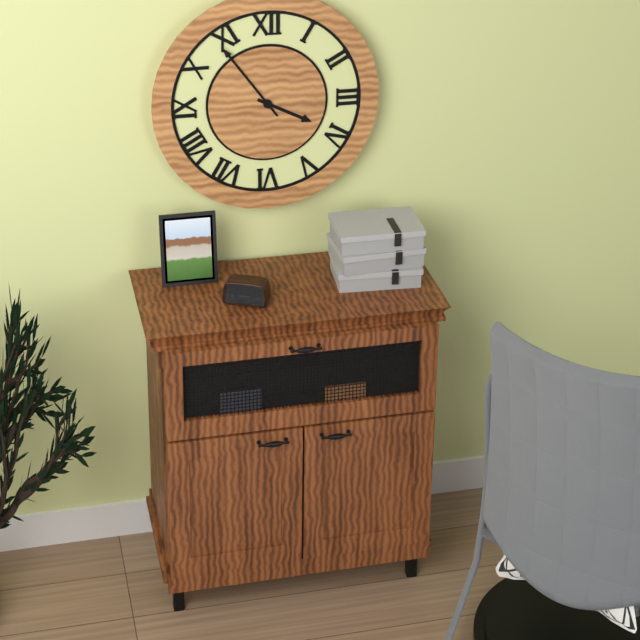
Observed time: 3:54
